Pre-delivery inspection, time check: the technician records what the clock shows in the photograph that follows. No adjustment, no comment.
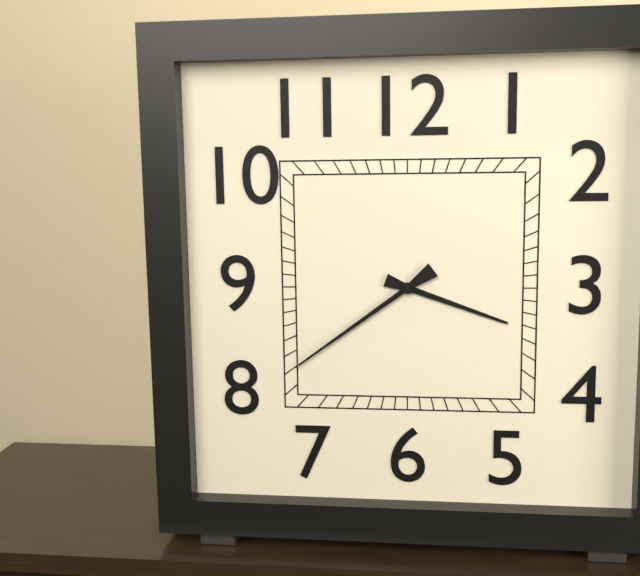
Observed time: 3:39
